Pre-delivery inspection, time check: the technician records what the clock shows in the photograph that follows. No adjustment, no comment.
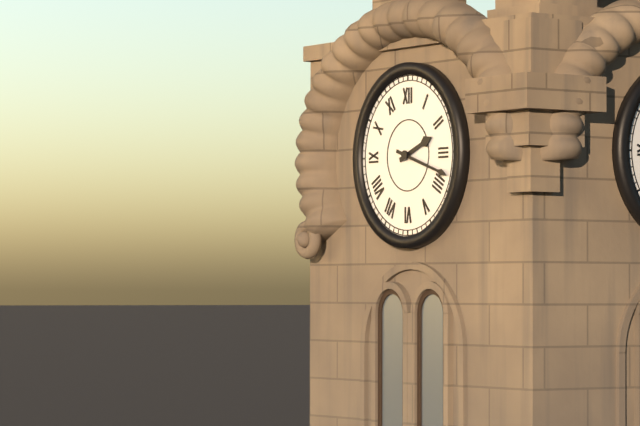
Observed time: 2:18
